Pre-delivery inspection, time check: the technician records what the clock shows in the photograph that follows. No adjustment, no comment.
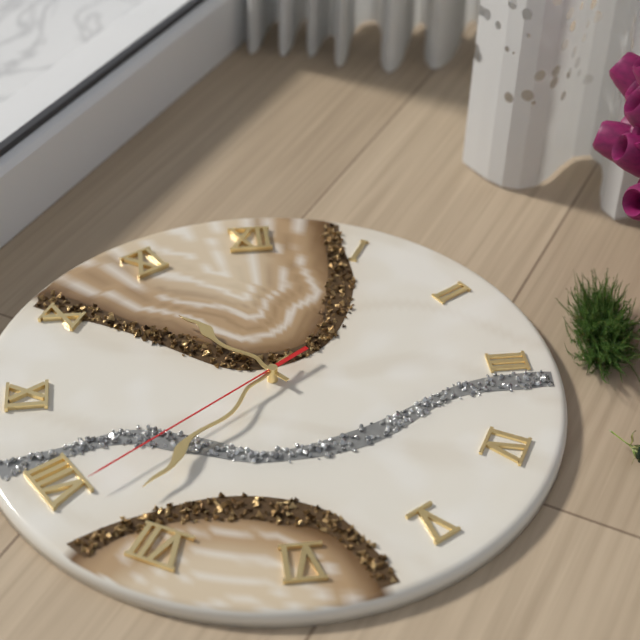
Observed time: 10:37:39
